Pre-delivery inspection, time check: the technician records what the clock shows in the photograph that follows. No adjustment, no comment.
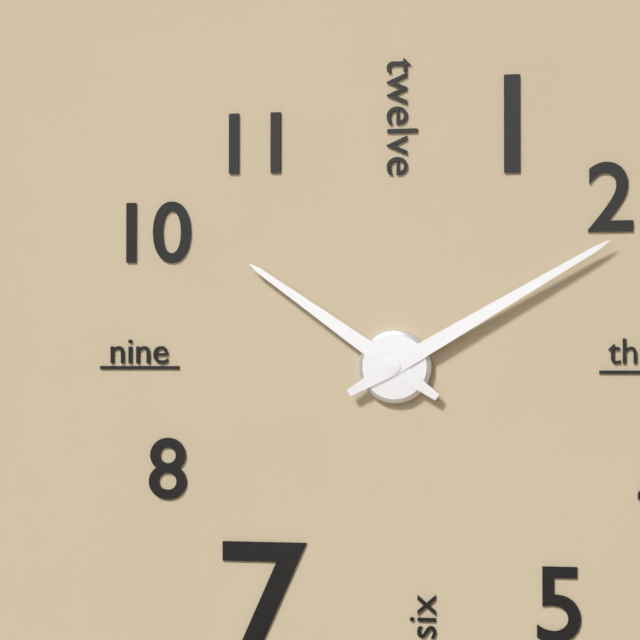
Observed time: 10:10
